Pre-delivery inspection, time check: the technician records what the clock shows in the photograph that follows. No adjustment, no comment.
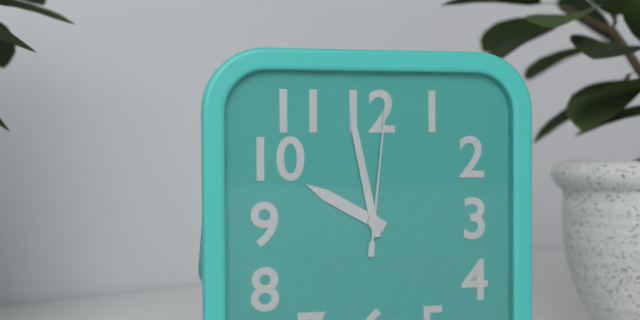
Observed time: 9:58:01
